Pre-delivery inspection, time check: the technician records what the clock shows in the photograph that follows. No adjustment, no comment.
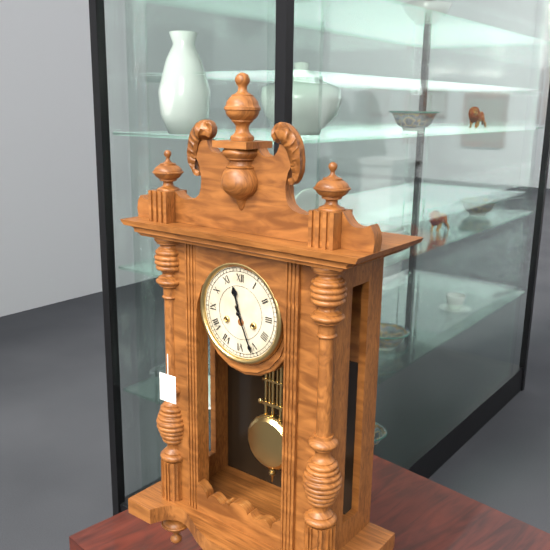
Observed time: 11:26
